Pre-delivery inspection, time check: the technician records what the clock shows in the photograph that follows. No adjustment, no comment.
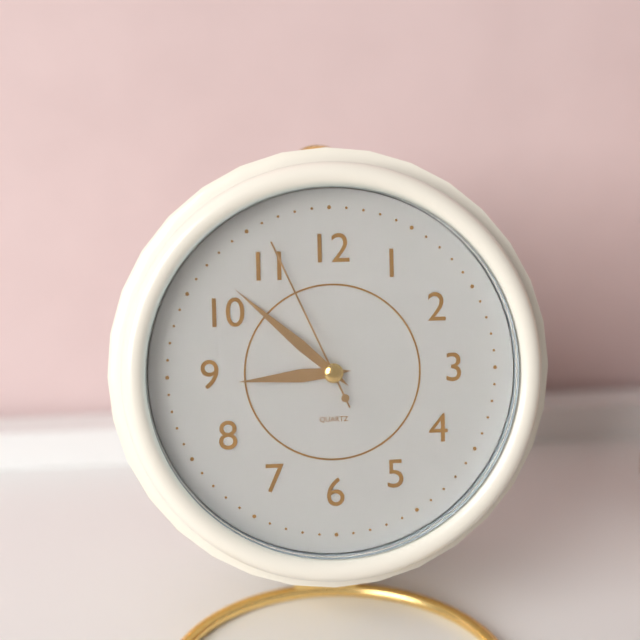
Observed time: 8:52:56
